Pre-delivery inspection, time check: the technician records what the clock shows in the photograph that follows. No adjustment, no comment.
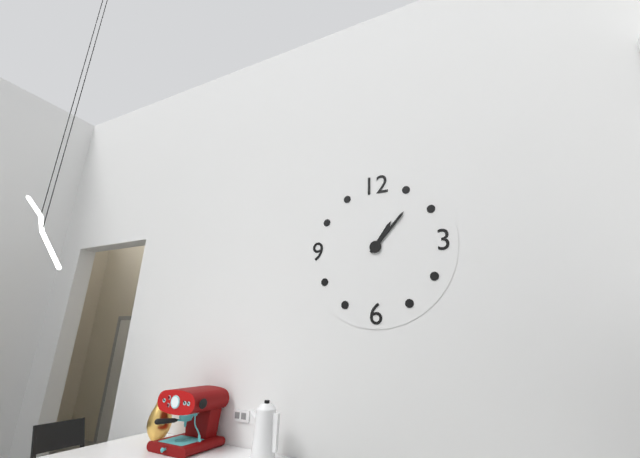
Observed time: 1:07
